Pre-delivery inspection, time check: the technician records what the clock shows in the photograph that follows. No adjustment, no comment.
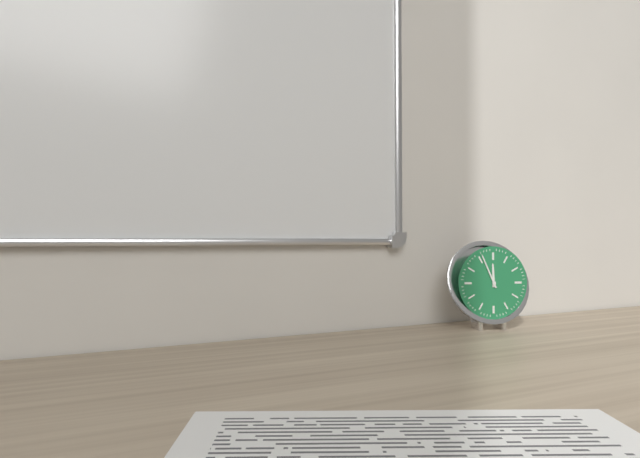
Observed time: 11:56
